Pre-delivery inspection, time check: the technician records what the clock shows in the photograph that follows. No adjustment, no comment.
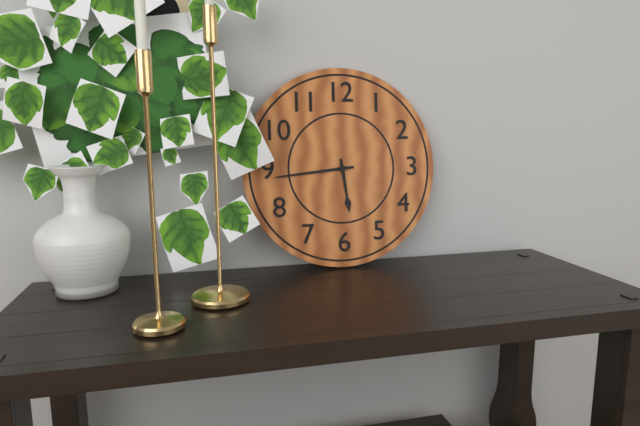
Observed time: 5:44
